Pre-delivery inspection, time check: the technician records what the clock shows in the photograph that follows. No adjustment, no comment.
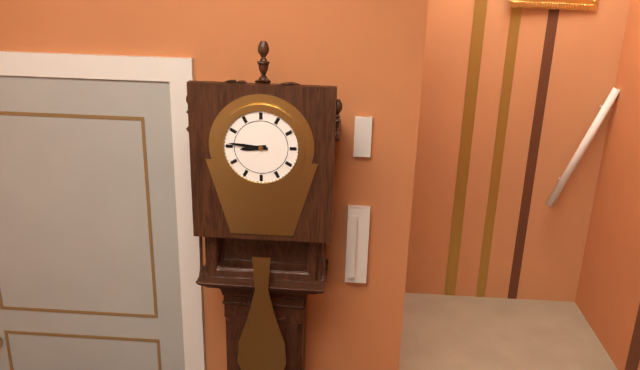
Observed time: 8:46
